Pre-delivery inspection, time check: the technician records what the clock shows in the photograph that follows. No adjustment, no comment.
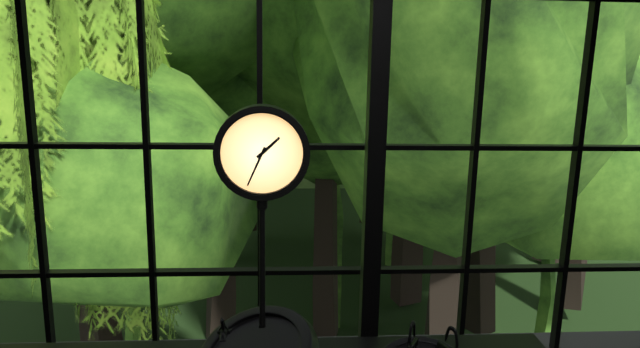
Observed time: 1:34
